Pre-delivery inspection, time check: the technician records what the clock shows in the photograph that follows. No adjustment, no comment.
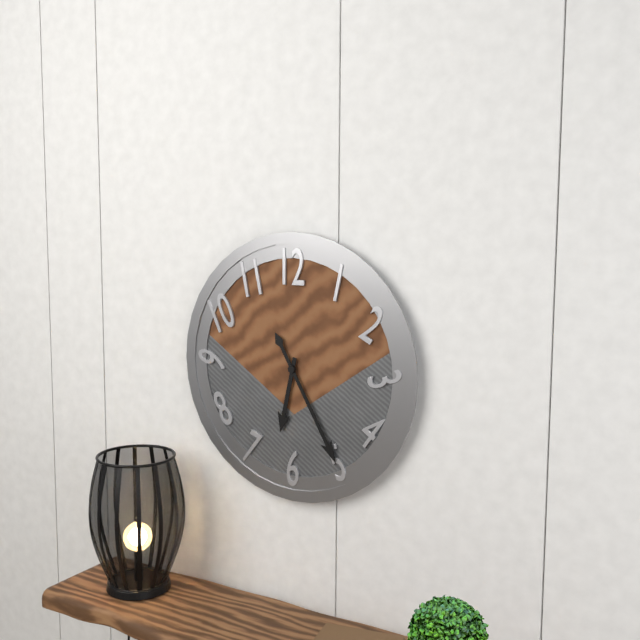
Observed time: 6:25
